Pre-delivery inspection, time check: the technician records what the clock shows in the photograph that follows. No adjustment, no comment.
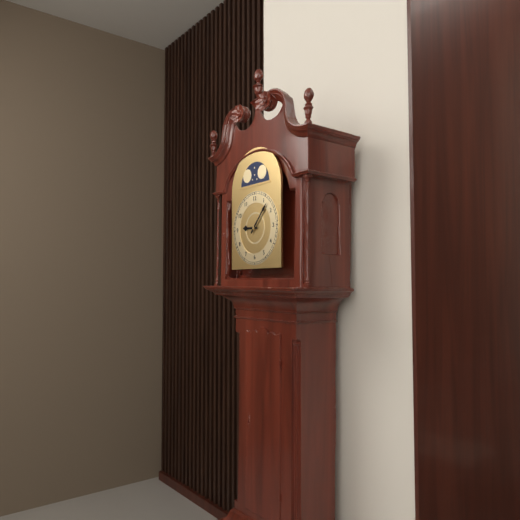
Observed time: 9:07
